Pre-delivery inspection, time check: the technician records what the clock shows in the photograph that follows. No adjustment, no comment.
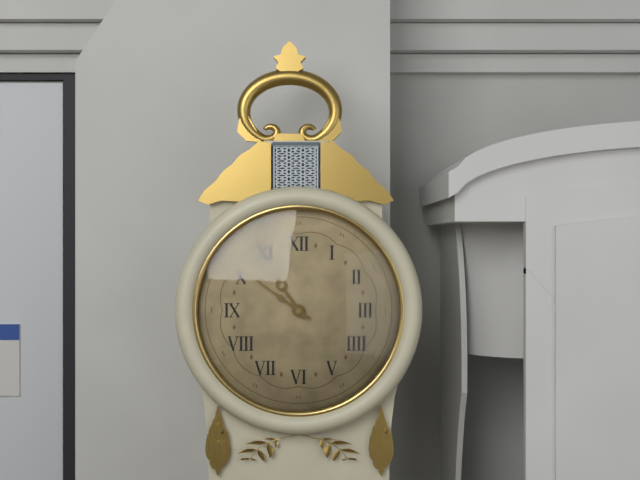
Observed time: 10:51
